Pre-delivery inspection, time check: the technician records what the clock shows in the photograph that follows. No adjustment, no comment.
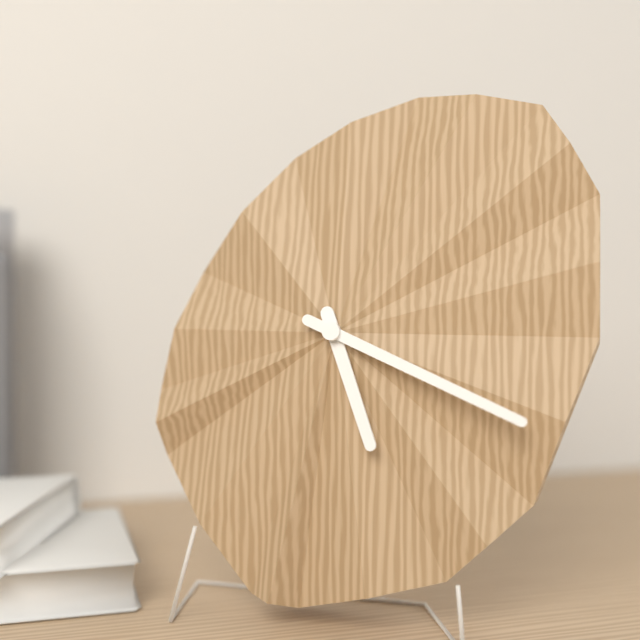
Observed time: 5:19
